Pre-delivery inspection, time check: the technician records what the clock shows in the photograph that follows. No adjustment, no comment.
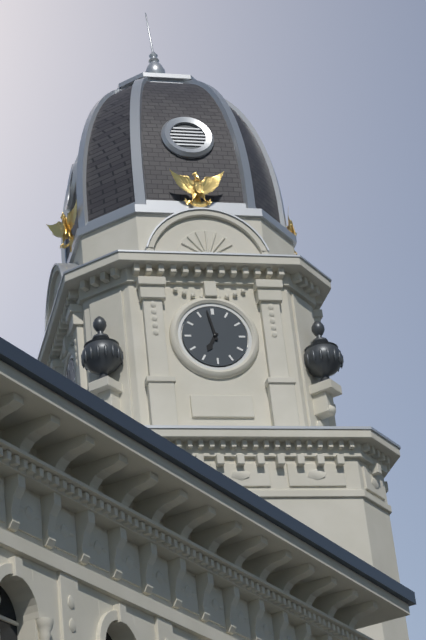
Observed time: 6:58
